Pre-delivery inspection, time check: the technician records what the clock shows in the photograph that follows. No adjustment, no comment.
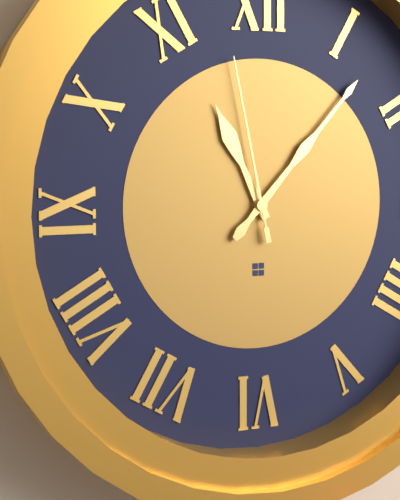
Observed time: 11:07:58
